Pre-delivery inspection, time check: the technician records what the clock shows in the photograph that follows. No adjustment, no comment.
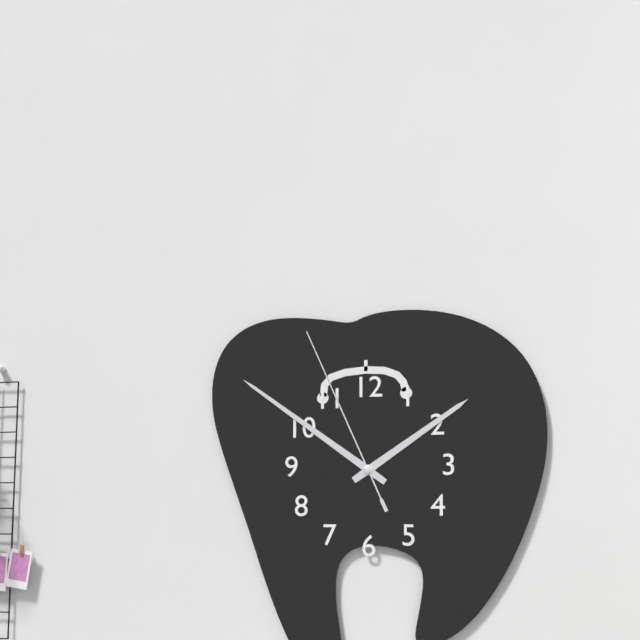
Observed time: 1:51:56
